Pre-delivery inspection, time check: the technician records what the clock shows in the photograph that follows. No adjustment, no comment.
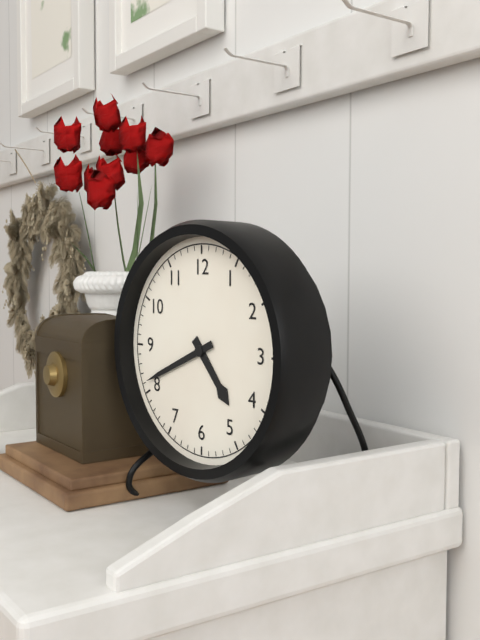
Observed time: 4:41
